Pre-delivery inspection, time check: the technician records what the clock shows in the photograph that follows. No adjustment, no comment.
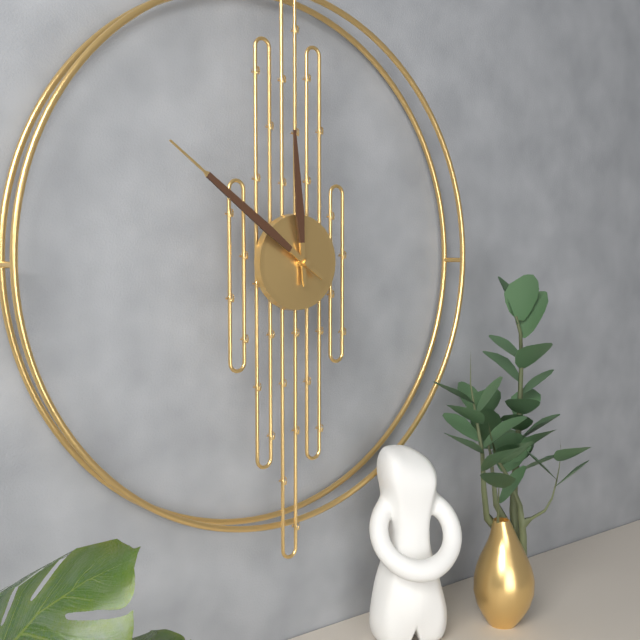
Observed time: 11:51
